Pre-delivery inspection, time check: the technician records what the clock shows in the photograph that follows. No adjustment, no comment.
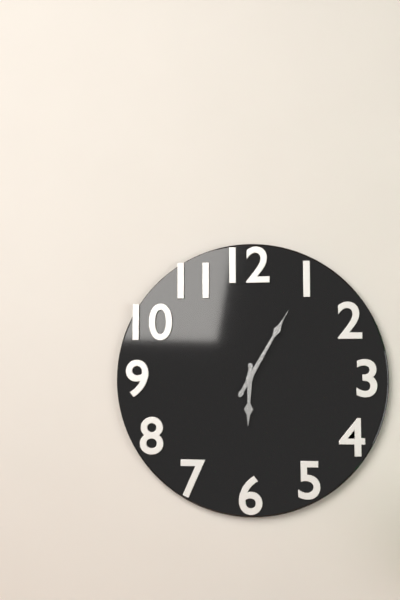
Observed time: 6:05:05
